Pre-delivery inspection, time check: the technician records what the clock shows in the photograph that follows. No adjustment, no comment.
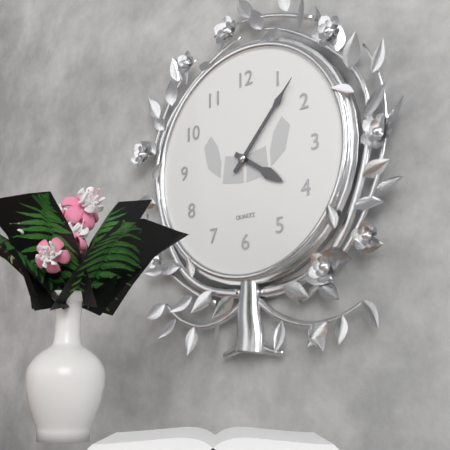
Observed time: 4:07
